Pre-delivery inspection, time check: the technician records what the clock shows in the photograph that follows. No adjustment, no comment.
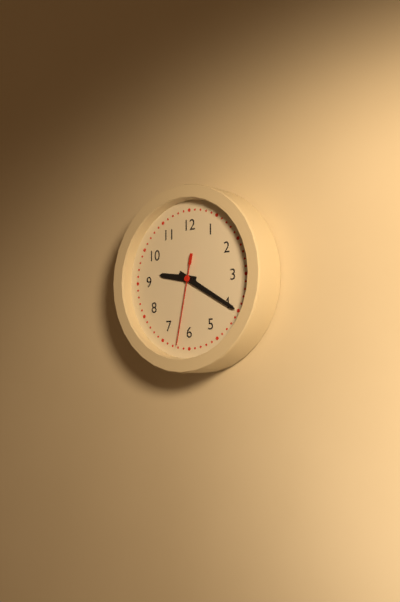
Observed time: 9:20:32
